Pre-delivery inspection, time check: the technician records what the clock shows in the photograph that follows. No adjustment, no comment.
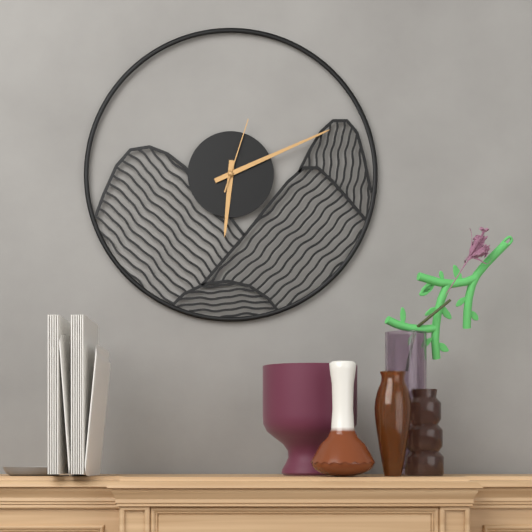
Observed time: 6:11:03
